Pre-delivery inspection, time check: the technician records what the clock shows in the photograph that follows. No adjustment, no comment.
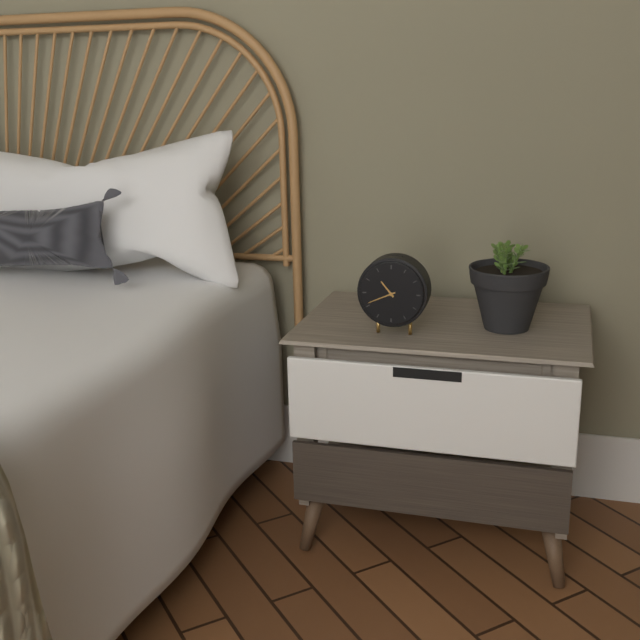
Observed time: 10:41
